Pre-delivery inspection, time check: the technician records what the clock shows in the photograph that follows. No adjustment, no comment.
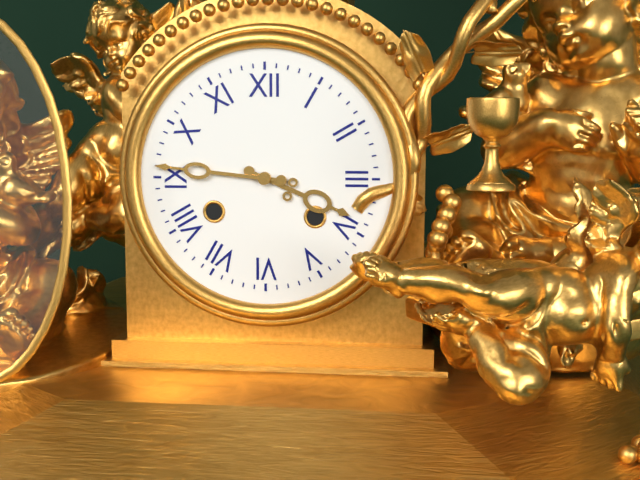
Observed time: 3:46
